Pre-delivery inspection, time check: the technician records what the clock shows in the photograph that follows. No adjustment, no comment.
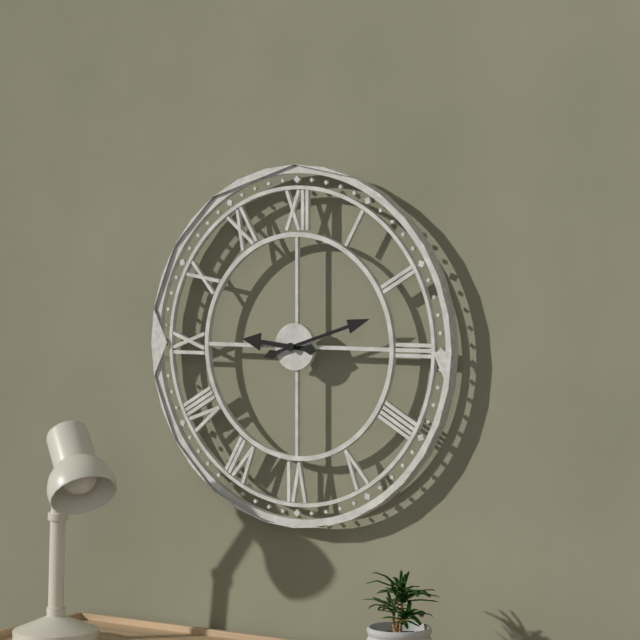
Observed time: 9:12
